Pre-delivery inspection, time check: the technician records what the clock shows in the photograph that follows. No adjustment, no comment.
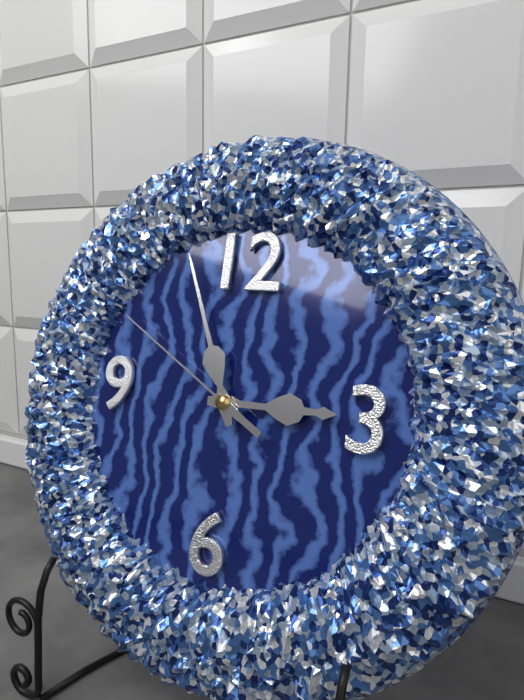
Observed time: 2:56:50
